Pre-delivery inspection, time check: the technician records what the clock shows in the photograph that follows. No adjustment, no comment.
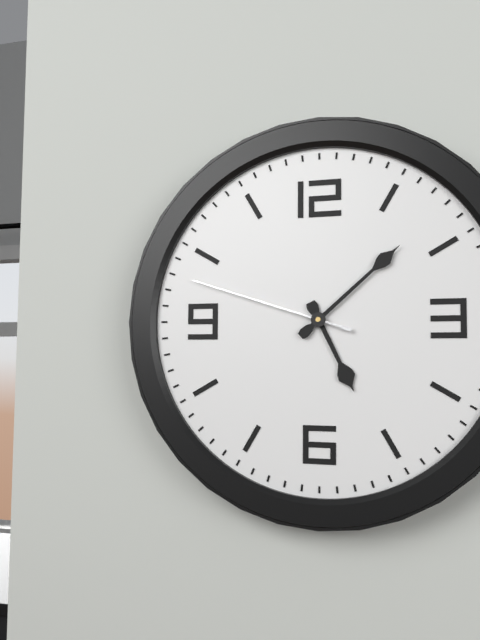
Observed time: 5:08:48
